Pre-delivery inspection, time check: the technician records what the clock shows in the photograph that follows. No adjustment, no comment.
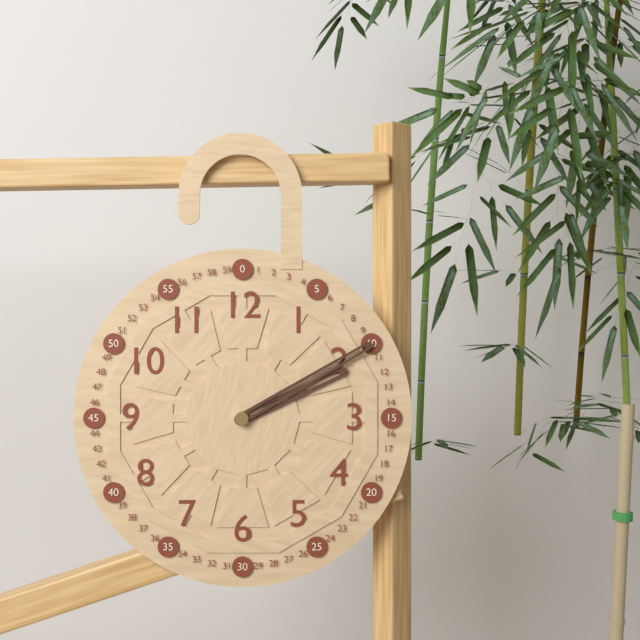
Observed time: 2:10
